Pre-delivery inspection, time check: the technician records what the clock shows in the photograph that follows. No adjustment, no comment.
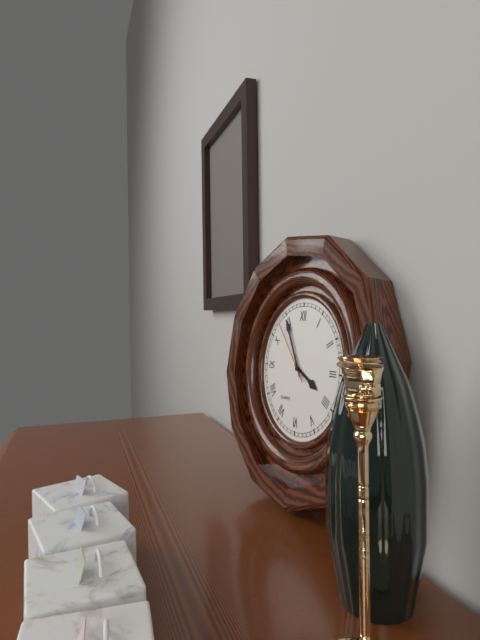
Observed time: 3:55:53
